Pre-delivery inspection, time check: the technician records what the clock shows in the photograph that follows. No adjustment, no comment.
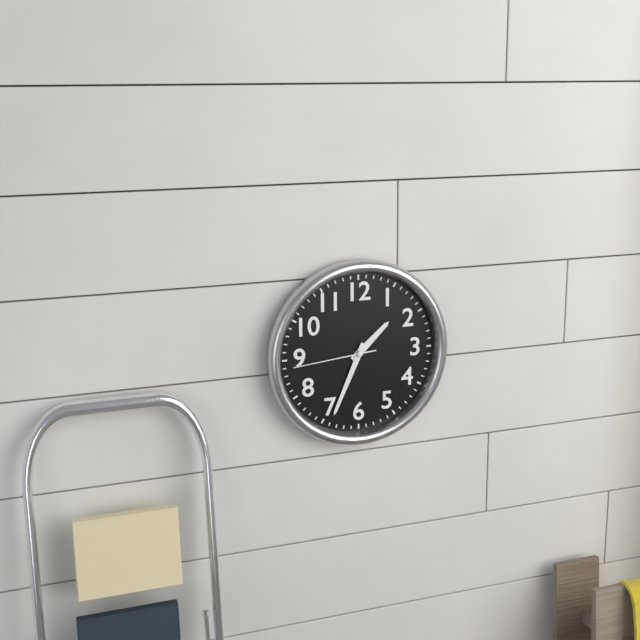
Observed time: 1:34:44
